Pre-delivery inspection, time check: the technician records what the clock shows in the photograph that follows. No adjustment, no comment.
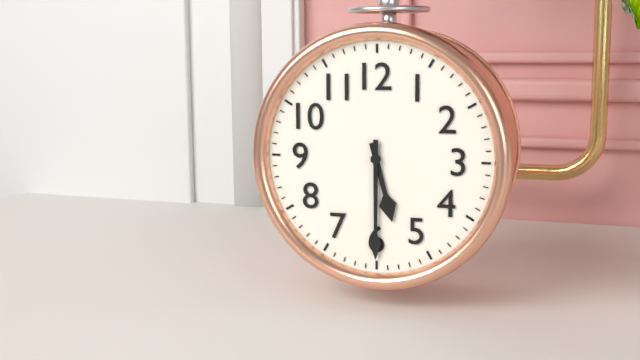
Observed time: 5:30
